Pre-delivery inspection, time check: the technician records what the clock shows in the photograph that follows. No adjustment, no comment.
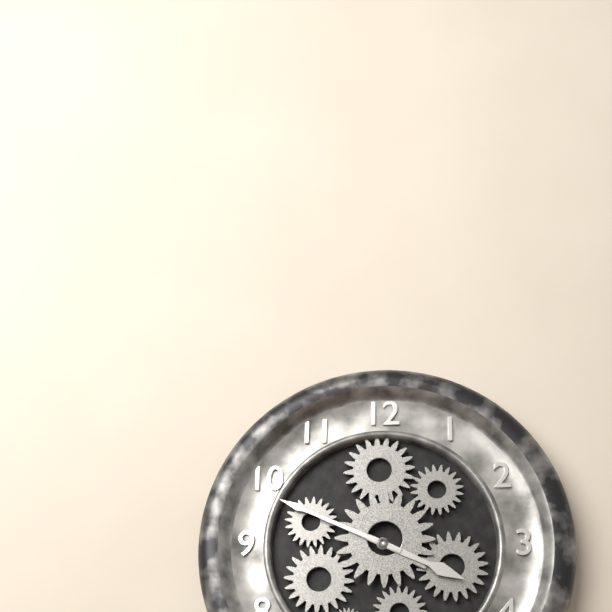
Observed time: 3:49
